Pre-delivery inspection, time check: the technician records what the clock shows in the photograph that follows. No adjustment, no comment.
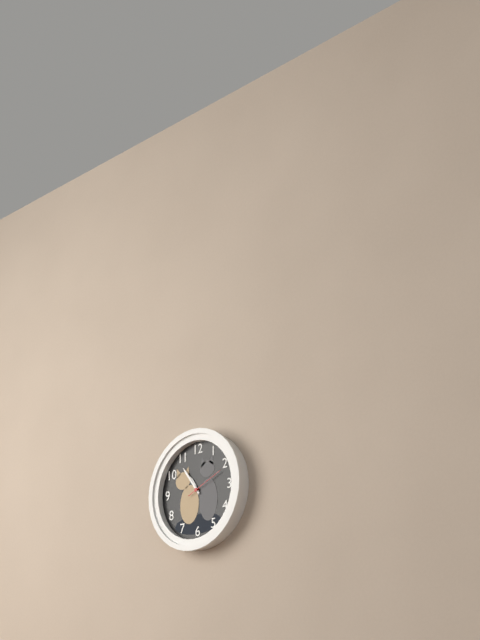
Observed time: 10:54
